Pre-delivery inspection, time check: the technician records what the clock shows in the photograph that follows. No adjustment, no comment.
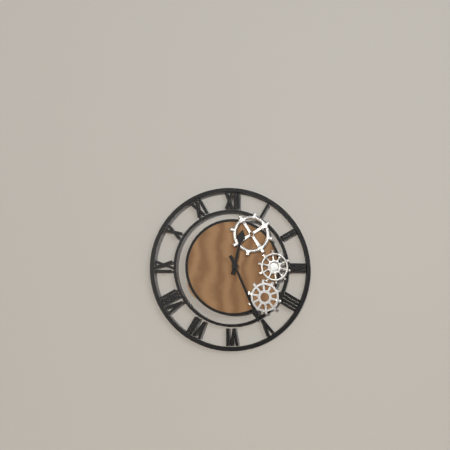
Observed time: 12:26
